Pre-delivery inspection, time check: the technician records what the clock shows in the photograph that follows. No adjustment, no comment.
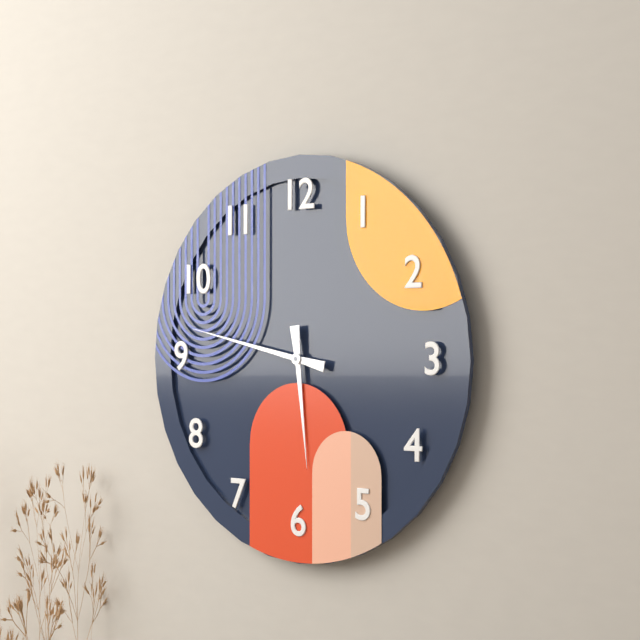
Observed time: 5:47
